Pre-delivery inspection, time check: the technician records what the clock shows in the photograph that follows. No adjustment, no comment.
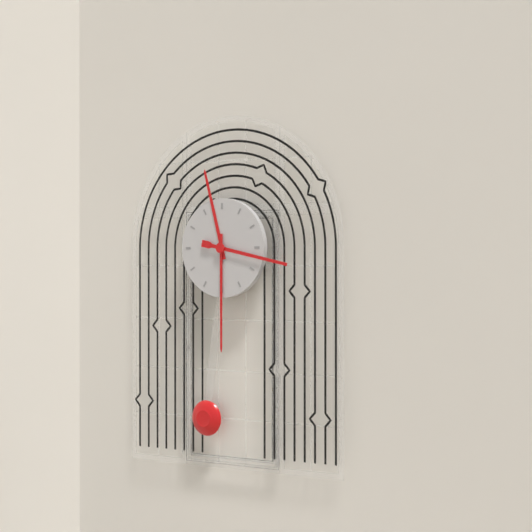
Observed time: 11:30:17
